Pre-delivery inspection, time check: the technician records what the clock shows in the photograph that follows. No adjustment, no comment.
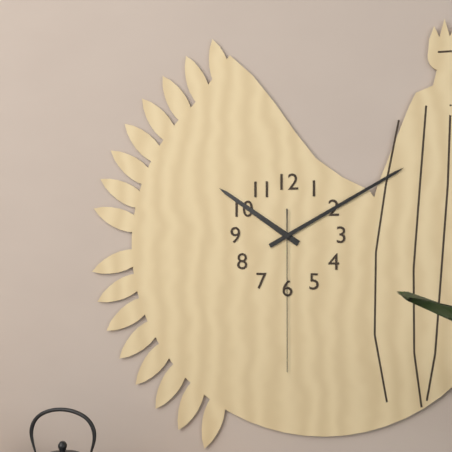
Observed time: 10:10:30
